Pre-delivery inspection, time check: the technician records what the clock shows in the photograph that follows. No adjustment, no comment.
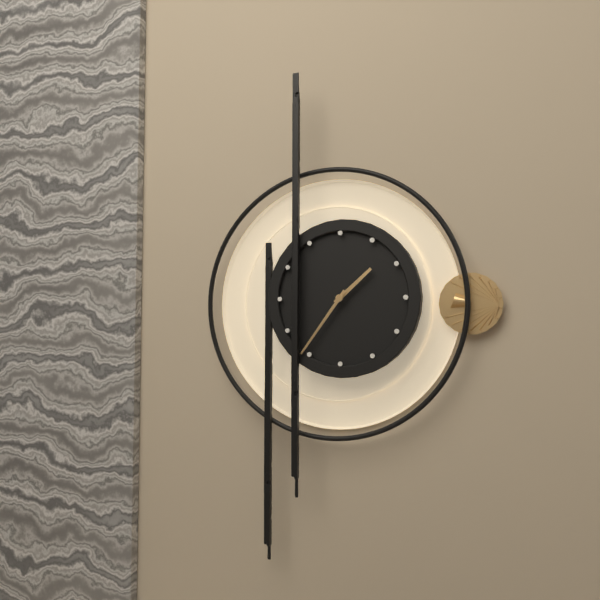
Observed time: 1:36
